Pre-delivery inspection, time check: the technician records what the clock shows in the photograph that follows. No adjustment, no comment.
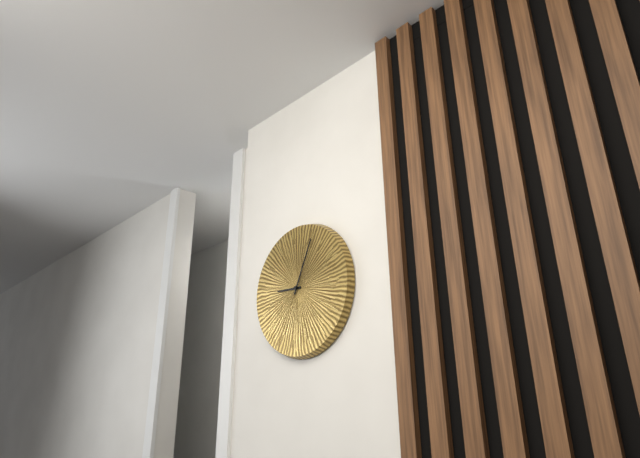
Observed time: 9:04
